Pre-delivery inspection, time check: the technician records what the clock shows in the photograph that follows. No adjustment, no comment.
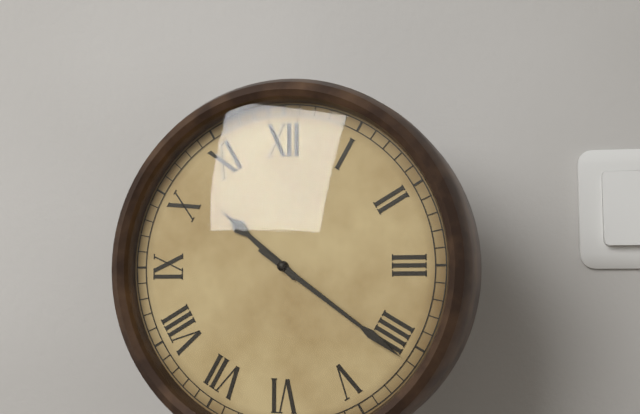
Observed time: 10:21
